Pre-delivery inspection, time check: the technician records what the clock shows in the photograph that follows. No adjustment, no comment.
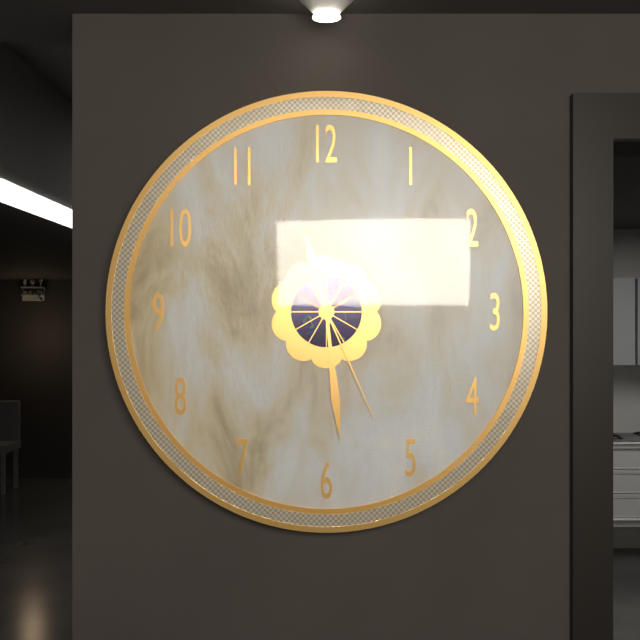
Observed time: 11:29:26
